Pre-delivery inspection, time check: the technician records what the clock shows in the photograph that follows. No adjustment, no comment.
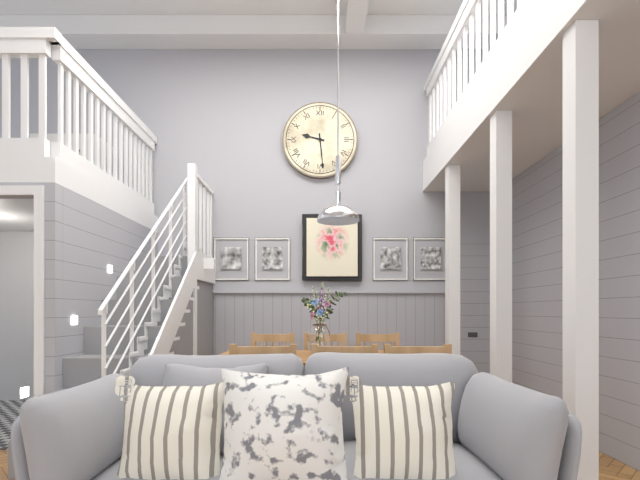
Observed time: 9:29
